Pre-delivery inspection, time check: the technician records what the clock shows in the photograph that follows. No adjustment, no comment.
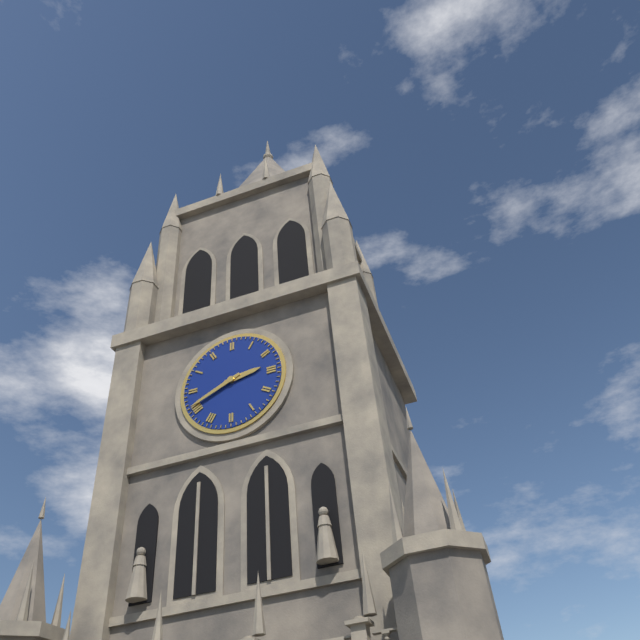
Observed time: 2:41
